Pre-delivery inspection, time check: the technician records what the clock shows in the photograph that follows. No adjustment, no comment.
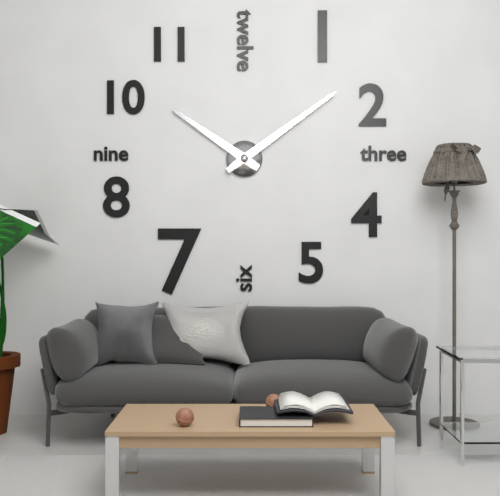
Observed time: 10:09
